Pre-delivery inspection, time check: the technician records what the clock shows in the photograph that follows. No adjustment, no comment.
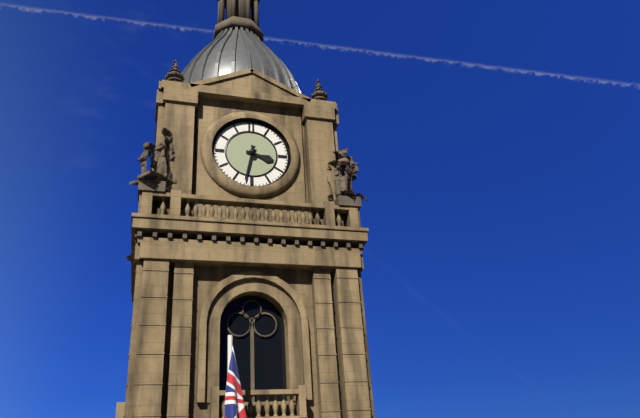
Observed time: 3:32
